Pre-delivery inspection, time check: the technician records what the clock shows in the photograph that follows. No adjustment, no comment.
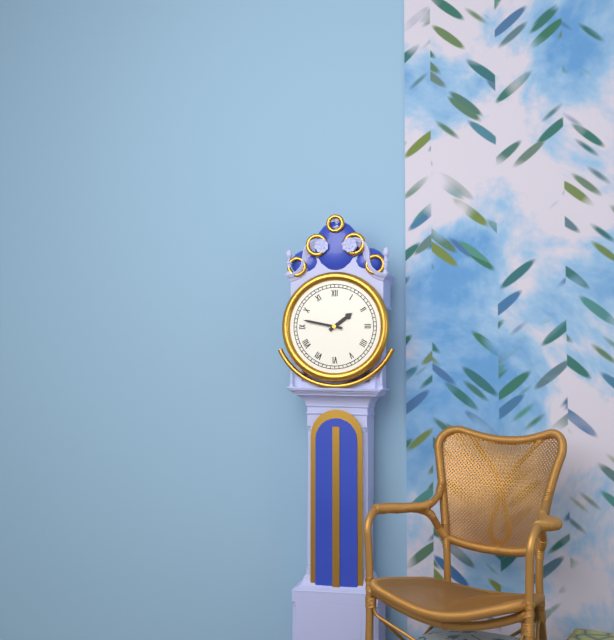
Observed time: 1:47
